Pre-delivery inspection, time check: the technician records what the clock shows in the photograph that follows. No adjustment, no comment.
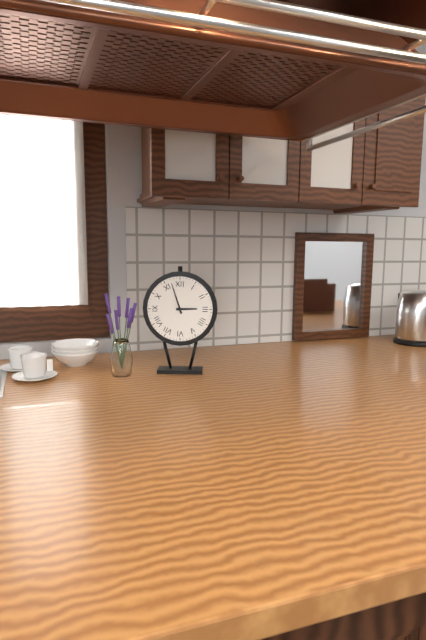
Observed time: 2:57
